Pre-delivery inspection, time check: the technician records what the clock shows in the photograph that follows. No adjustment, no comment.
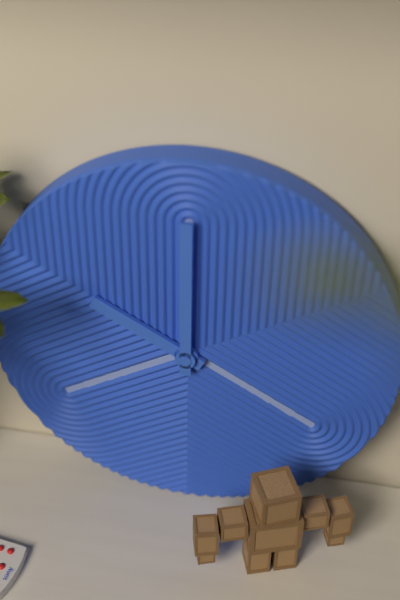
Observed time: 10:00
